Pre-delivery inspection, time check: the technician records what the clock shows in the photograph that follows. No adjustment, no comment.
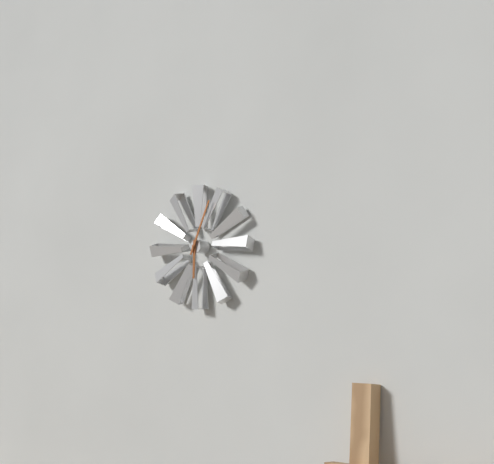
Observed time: 6:04
